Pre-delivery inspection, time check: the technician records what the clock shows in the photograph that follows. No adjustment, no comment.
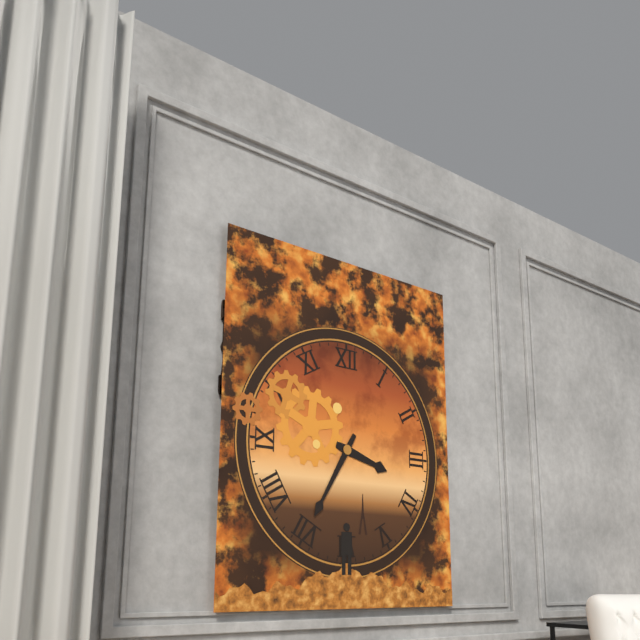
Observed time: 3:35
